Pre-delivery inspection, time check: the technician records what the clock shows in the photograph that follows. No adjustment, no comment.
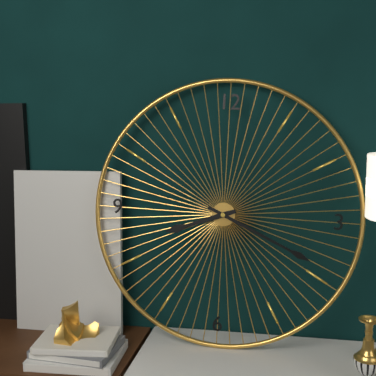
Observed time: 8:19
